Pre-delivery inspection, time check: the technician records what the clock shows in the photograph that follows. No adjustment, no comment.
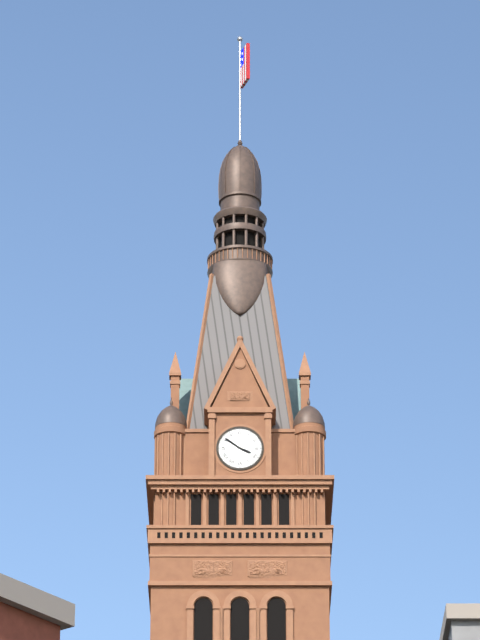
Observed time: 3:51
